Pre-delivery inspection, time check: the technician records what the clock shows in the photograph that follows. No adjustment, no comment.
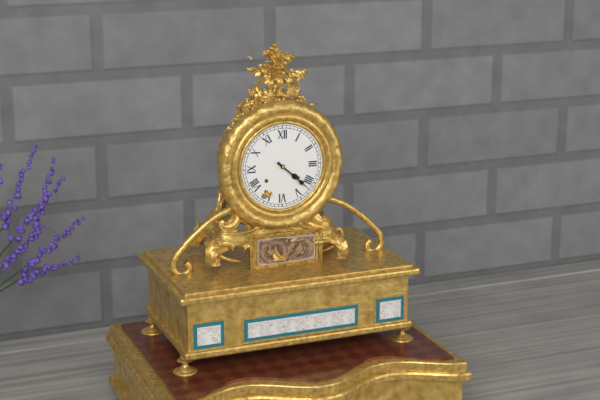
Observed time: 4:22
